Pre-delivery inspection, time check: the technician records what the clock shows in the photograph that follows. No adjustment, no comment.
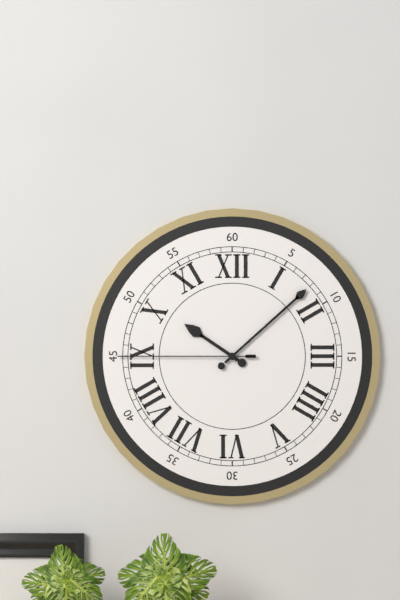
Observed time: 10:08:45
